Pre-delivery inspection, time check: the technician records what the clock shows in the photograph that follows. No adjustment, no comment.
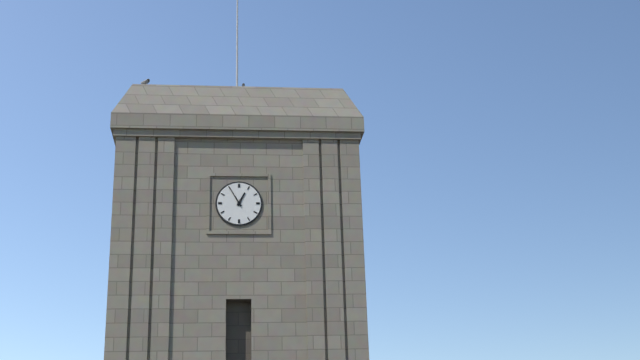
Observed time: 12:55
